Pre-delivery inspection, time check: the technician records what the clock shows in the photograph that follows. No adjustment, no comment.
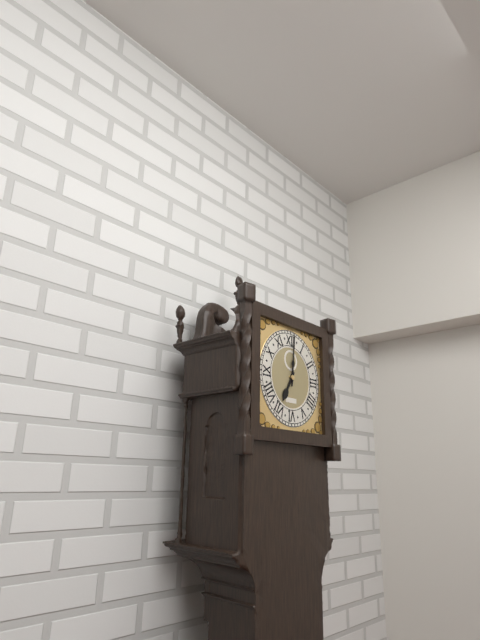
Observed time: 7:01
